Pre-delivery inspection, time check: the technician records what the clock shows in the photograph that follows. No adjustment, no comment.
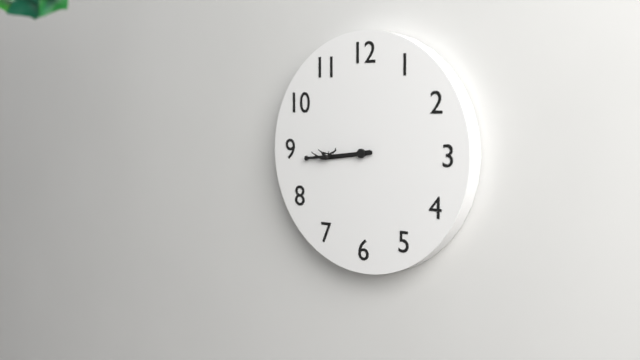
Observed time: 8:44
